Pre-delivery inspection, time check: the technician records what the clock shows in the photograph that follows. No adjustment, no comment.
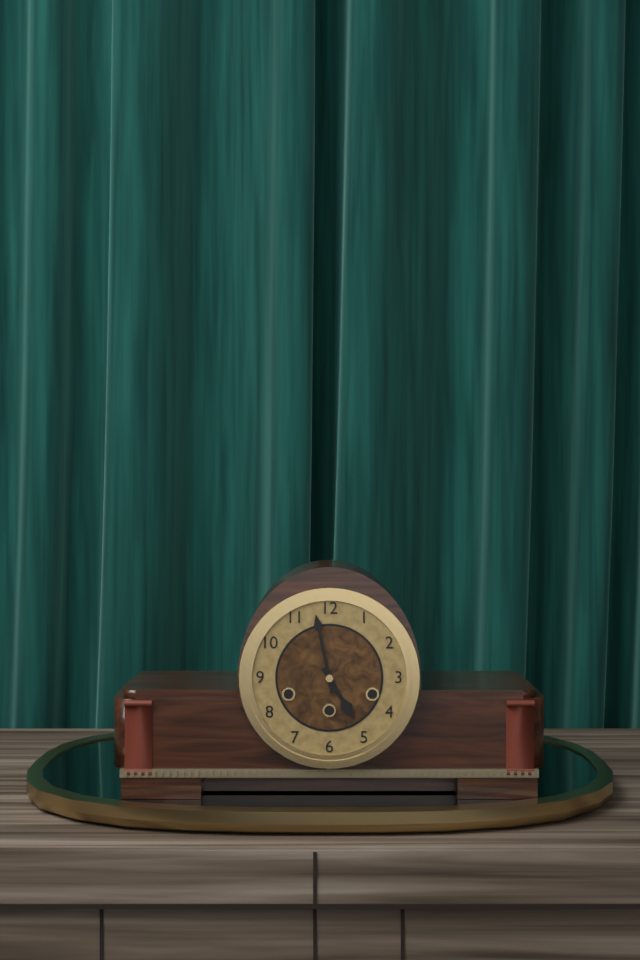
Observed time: 4:58
